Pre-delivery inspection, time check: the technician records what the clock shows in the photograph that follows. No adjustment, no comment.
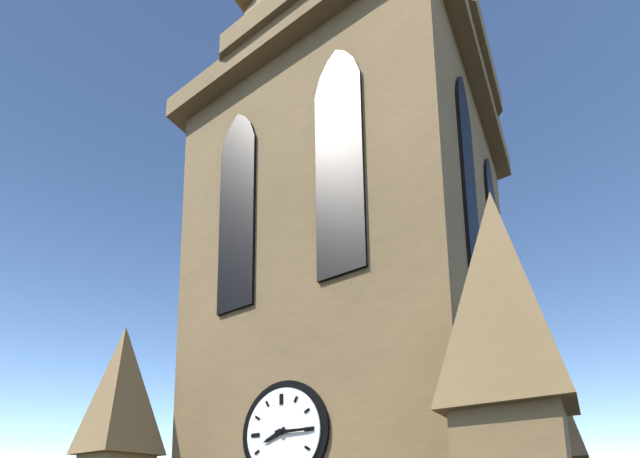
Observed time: 8:15
